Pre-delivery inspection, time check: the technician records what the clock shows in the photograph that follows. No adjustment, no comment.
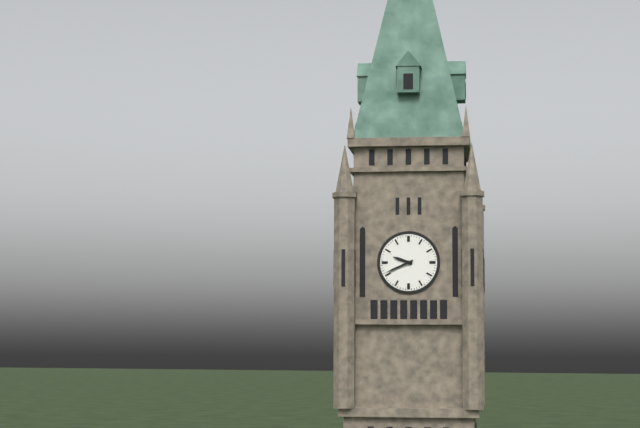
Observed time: 9:41
